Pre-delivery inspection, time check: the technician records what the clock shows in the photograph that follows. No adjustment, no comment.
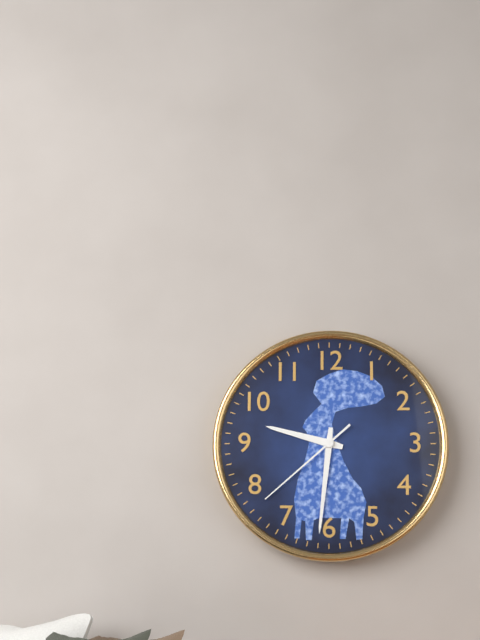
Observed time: 9:31:38
